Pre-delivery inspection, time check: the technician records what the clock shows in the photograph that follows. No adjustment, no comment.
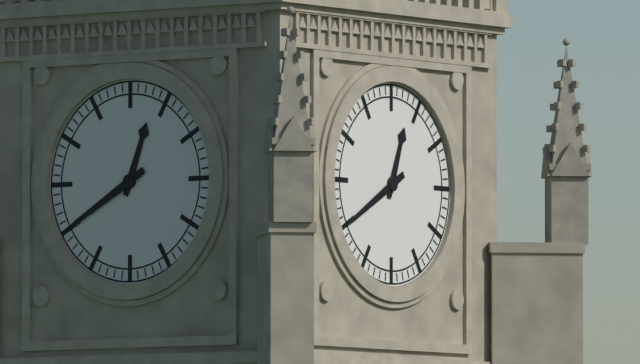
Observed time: 12:40
